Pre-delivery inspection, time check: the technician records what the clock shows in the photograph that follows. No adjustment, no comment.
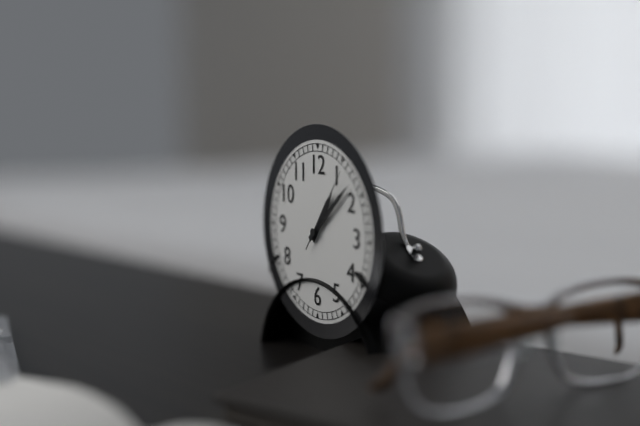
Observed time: 1:08:06
